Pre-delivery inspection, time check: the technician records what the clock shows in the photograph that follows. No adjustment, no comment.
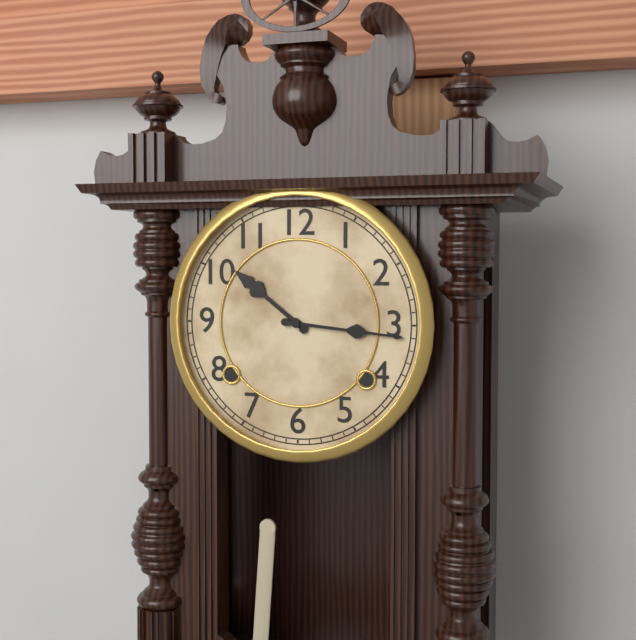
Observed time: 10:16
